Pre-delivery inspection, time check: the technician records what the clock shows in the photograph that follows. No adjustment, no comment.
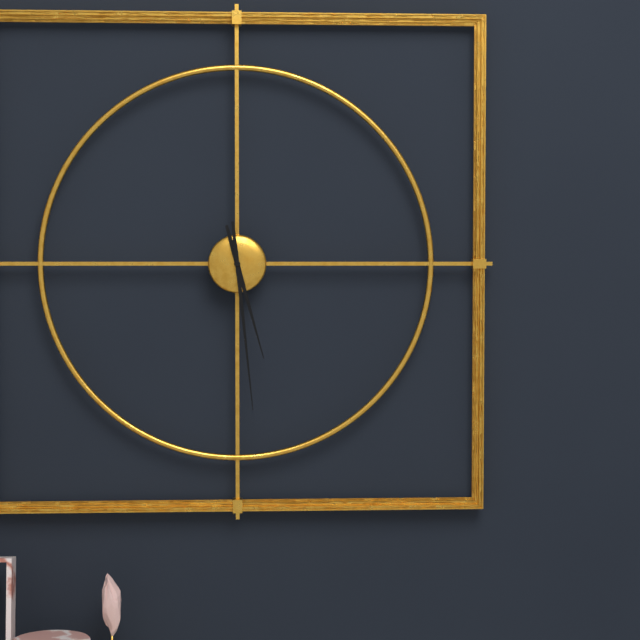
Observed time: 5:29
